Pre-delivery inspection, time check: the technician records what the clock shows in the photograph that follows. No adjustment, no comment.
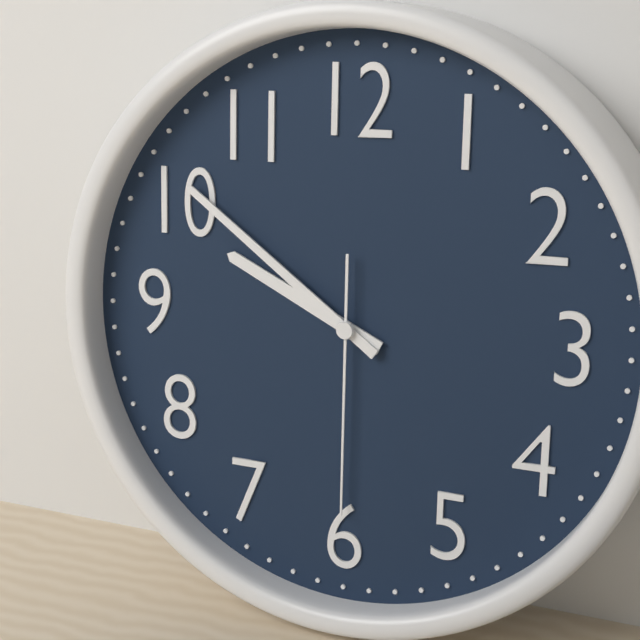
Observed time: 9:51:30
